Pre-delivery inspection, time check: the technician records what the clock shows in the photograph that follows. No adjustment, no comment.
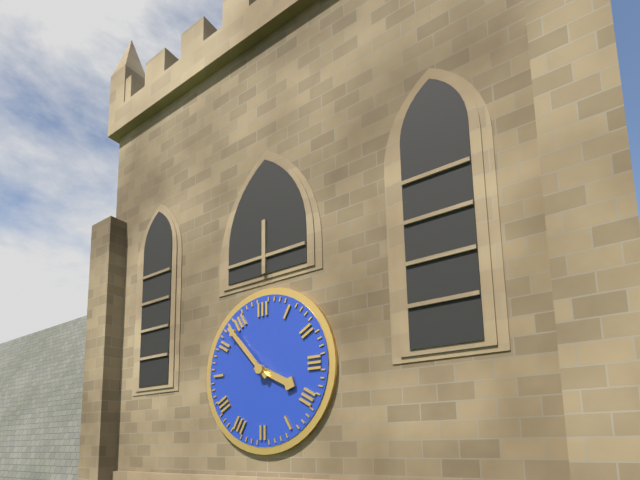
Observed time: 3:53
